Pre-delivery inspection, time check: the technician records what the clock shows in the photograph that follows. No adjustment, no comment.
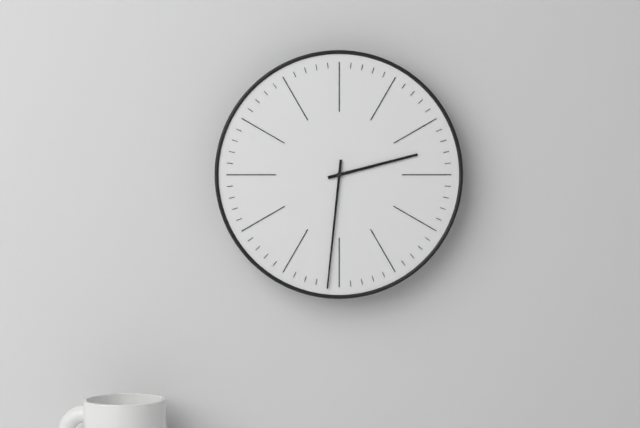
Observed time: 2:31
